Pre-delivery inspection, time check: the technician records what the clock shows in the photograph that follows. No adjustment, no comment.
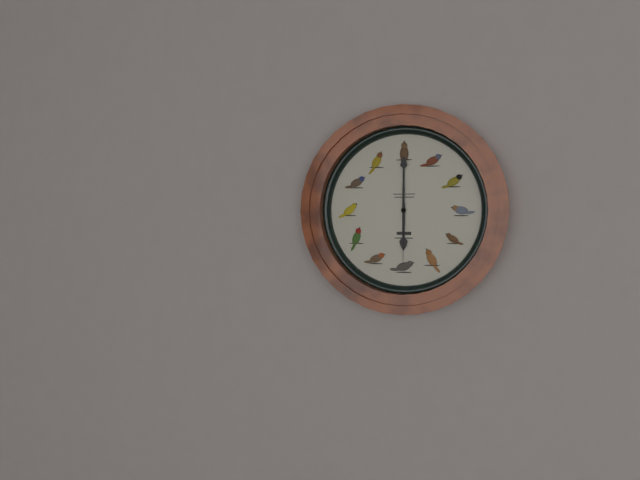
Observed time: 6:00:30
